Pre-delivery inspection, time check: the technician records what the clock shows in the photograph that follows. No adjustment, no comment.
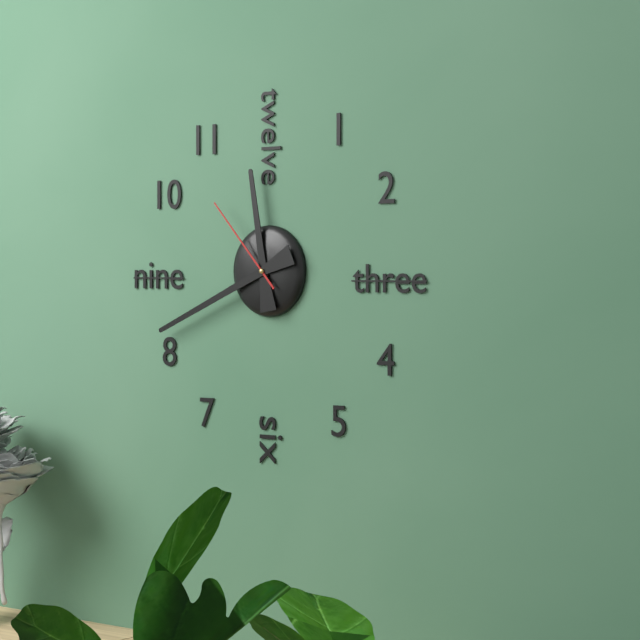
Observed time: 11:41:53
